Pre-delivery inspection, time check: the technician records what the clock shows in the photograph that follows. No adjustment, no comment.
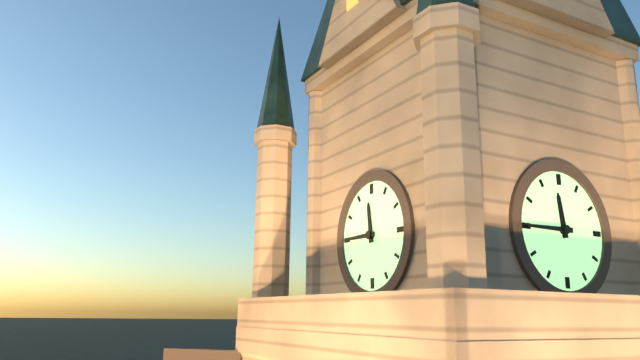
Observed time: 11:45
